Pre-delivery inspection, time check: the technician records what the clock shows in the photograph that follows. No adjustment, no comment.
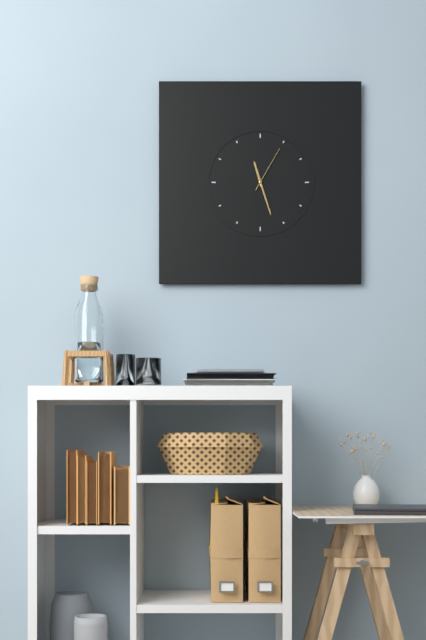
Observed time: 11:27:05
